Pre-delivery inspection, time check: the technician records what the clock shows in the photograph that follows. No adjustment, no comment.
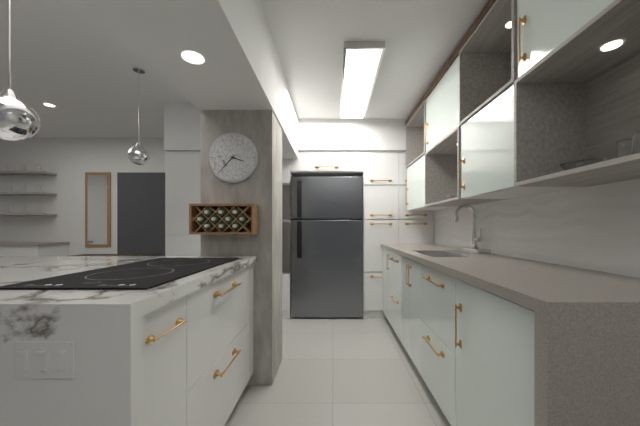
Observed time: 3:37
